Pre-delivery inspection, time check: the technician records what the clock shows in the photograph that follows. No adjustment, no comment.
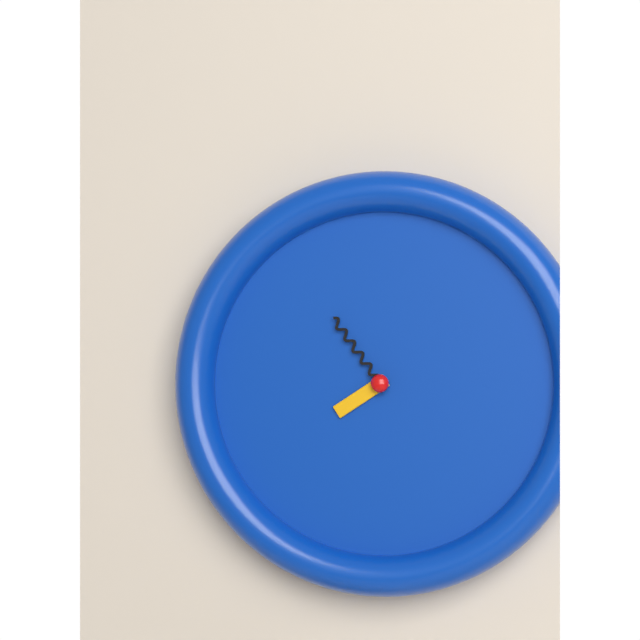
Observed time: 7:54
